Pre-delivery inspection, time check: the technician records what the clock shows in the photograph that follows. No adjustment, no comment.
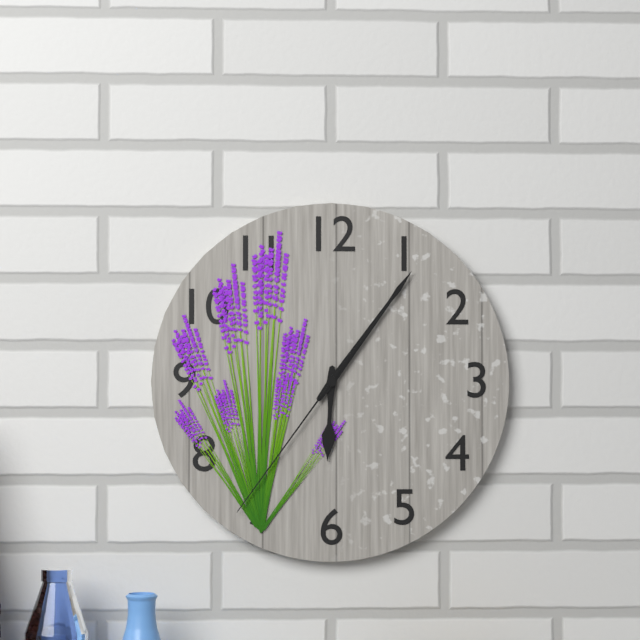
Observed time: 6:06:36
